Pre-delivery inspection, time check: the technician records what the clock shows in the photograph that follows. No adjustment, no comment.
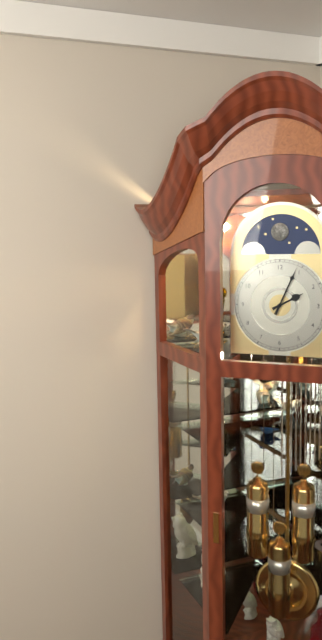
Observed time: 2:04
